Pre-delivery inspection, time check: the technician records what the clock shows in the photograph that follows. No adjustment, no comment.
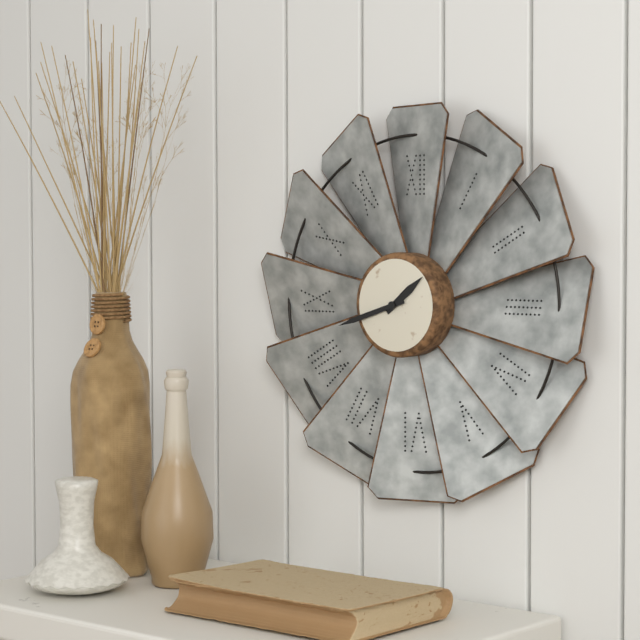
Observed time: 1:42
